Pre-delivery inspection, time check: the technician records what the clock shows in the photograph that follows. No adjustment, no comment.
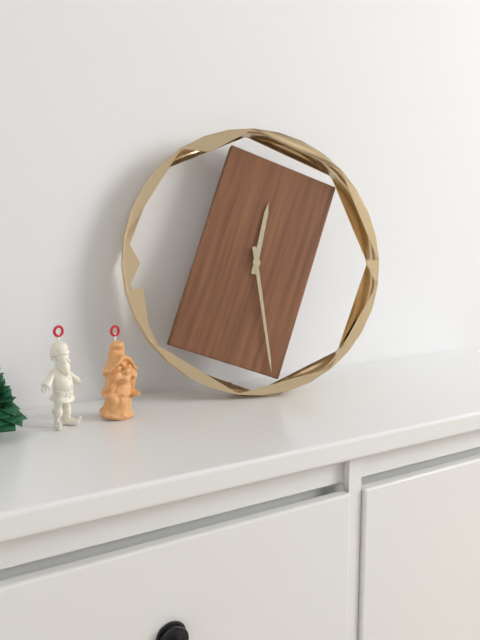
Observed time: 12:29
